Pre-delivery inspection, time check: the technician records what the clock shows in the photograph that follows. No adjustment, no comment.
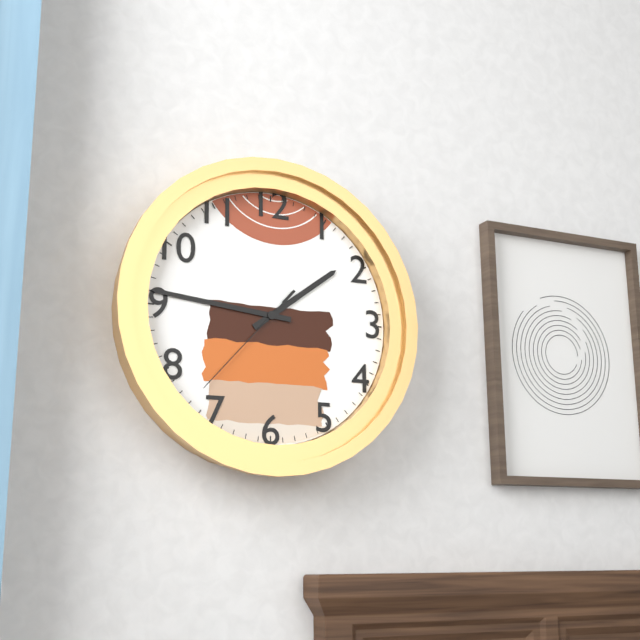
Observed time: 1:46:37
